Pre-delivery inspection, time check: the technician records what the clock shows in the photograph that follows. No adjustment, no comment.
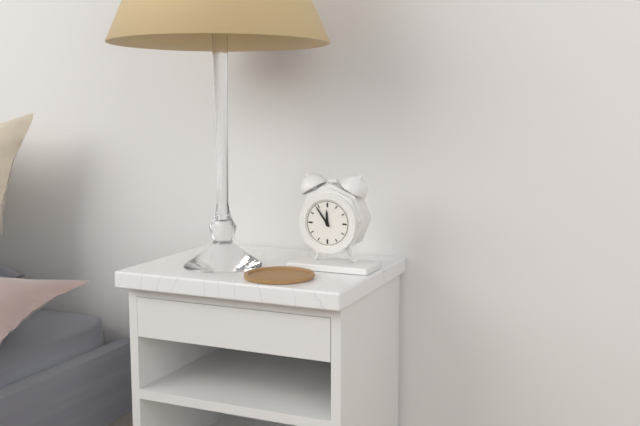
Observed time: 11:54
